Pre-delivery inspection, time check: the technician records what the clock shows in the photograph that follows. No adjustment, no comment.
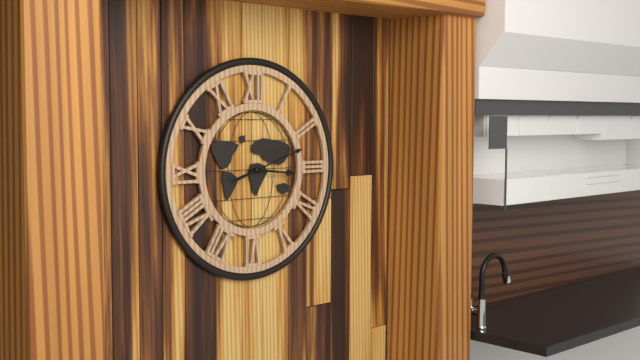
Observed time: 3:12
